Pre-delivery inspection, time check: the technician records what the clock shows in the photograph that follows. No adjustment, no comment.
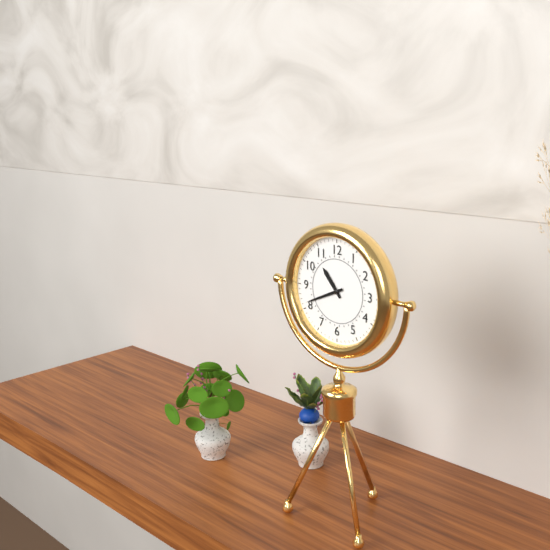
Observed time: 10:41
